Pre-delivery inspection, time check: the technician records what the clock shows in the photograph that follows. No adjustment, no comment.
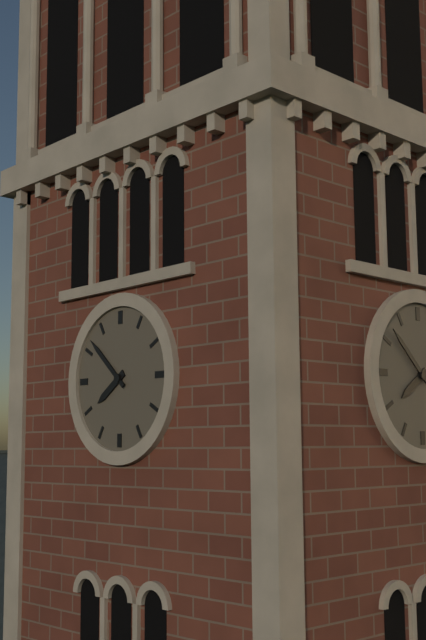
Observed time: 7:52
